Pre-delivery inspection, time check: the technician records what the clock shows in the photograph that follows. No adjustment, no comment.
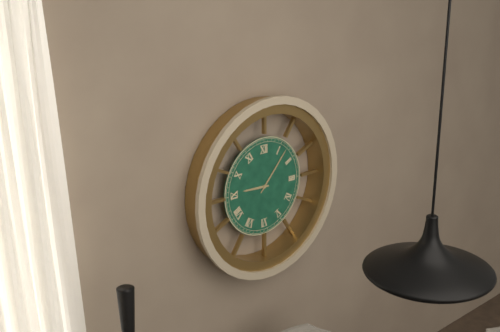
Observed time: 9:07
